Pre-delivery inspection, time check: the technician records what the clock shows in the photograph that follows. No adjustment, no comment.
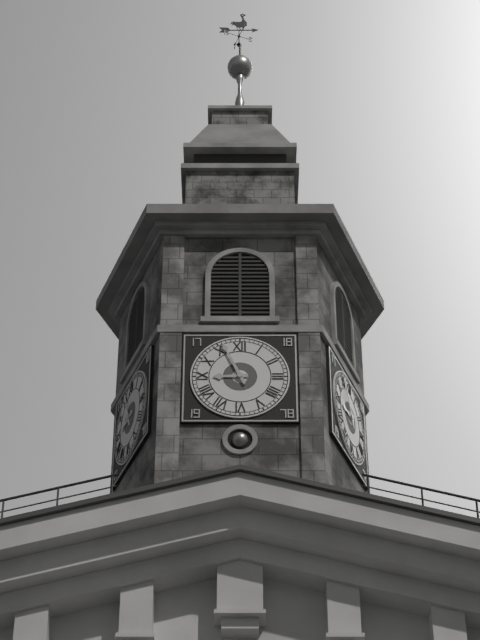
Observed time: 8:56
